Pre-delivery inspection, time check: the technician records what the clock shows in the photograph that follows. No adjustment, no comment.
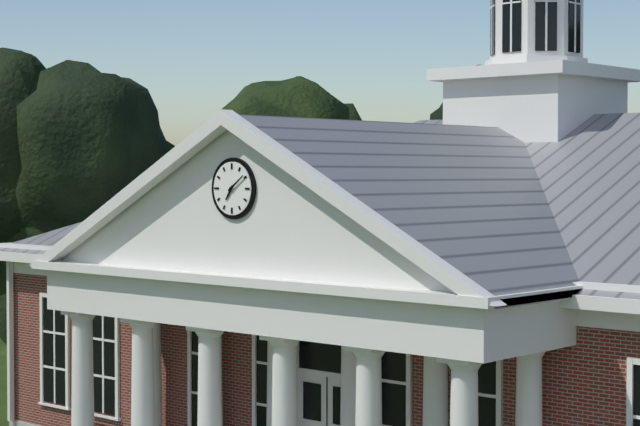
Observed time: 7:09
